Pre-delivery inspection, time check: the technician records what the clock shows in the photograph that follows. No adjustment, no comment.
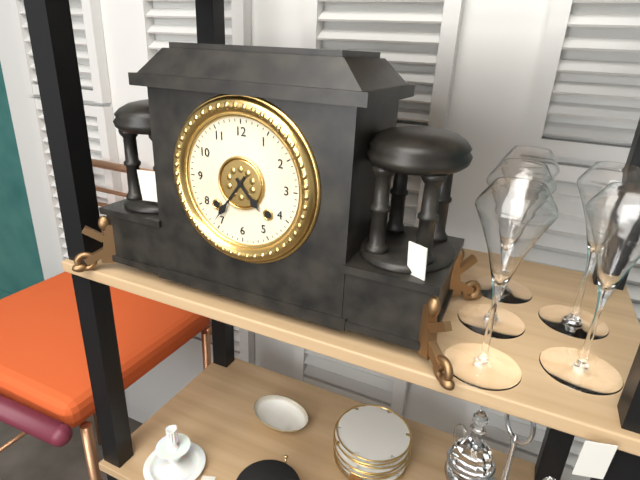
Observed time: 4:36
